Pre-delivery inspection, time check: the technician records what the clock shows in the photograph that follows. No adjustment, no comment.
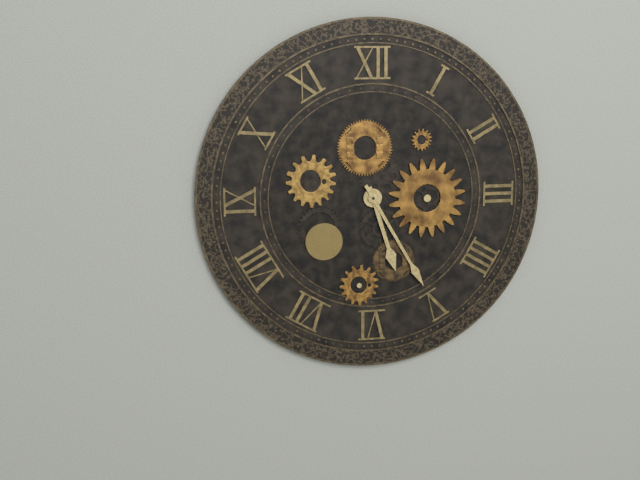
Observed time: 5:25
